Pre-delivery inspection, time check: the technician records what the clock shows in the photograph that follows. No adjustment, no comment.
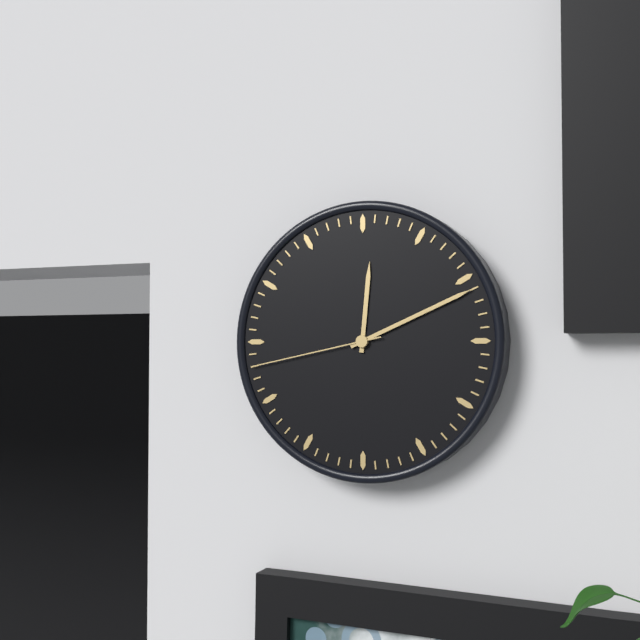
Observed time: 12:11:43
